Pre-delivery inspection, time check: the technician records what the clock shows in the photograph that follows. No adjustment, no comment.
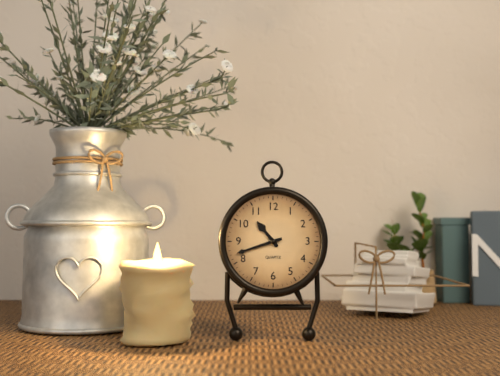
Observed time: 10:42
